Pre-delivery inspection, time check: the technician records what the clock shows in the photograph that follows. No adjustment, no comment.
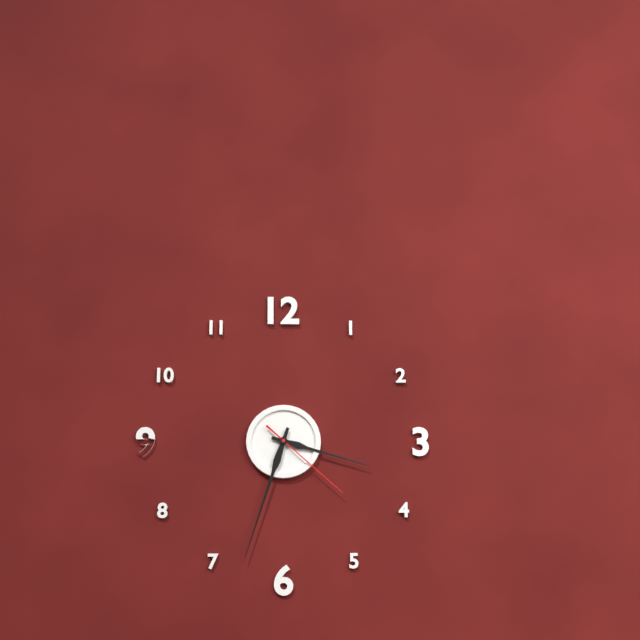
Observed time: 3:33:22
